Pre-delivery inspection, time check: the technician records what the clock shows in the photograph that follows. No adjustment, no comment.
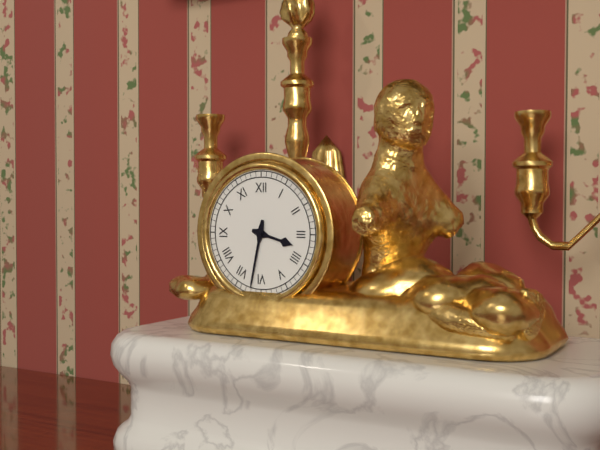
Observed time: 3:32
